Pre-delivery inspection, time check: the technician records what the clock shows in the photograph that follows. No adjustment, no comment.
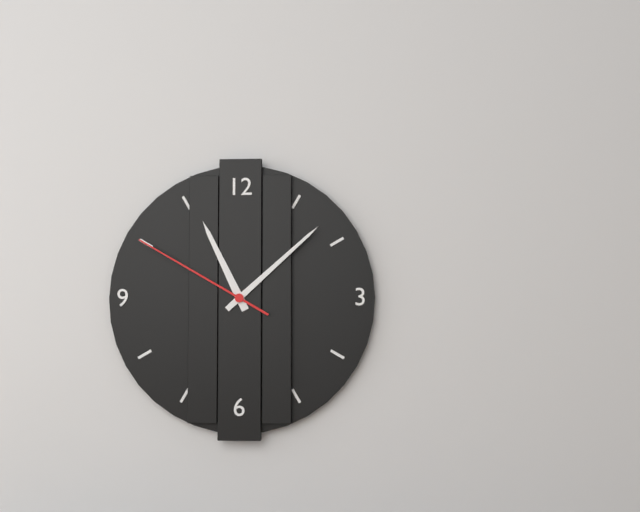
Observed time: 11:08:50
